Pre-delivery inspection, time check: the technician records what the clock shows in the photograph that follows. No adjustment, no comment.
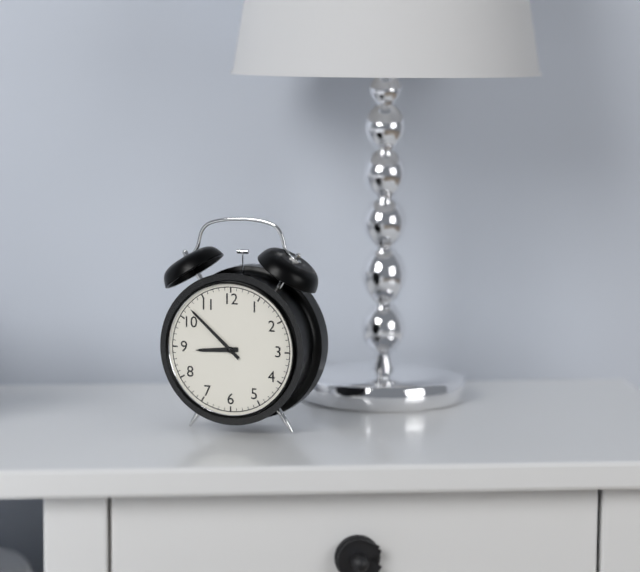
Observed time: 8:52
